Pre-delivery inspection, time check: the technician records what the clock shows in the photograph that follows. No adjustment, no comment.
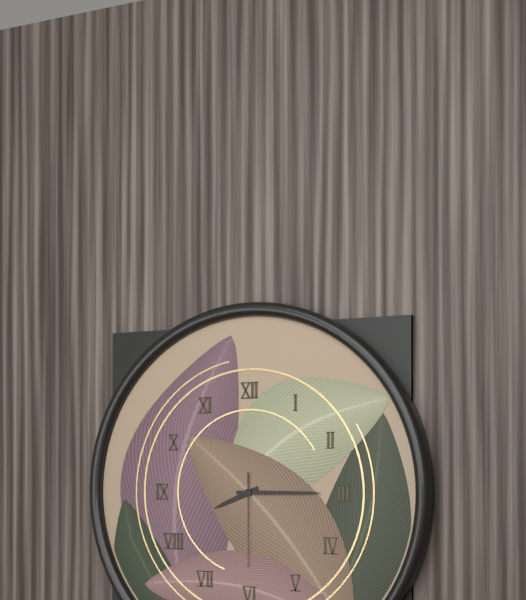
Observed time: 8:15:30
